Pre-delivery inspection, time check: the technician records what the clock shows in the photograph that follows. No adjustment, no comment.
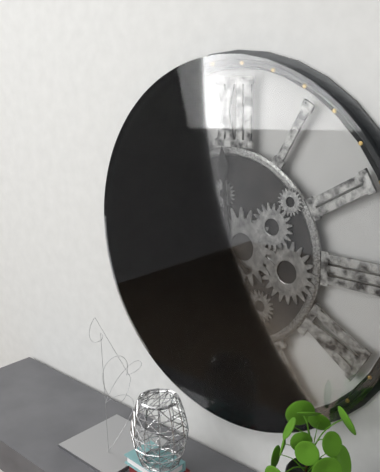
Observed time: 11:51
